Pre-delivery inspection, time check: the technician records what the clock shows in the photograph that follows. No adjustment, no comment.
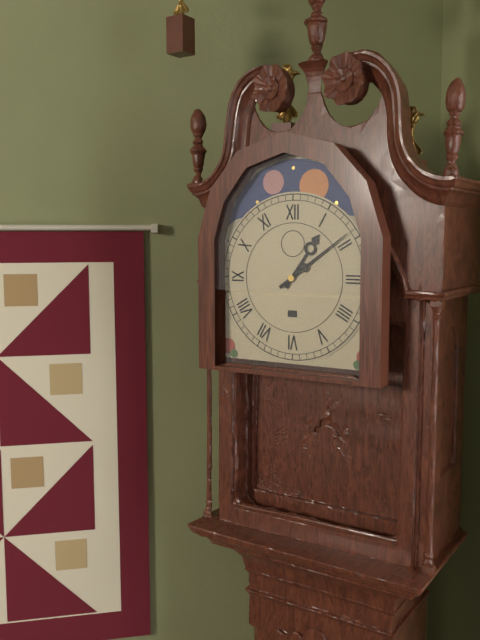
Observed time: 1:09
